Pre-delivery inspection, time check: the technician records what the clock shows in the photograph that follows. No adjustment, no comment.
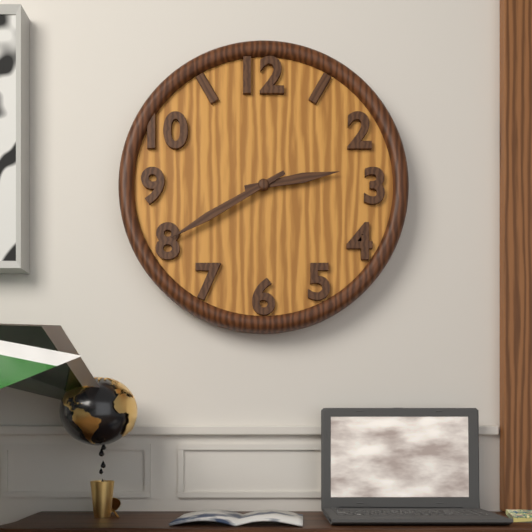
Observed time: 2:40
